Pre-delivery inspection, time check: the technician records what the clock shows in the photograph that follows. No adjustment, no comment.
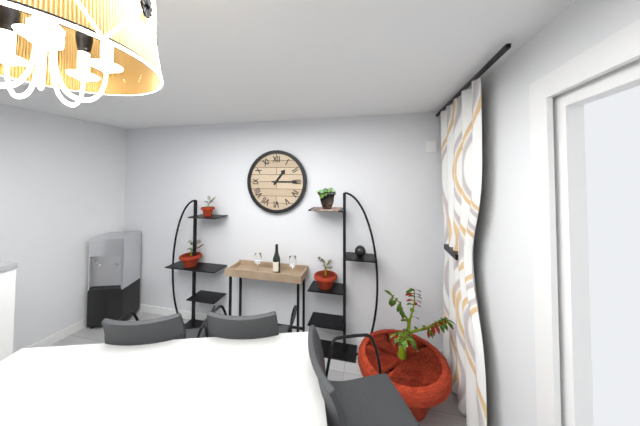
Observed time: 1:15
